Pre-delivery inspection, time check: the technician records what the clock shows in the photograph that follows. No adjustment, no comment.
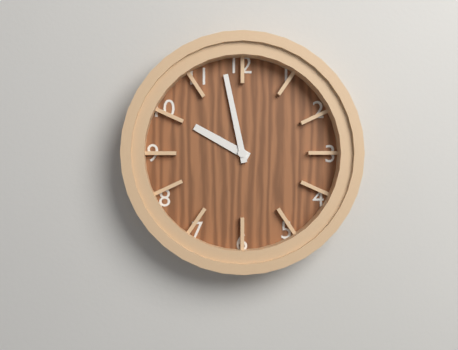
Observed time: 9:58
